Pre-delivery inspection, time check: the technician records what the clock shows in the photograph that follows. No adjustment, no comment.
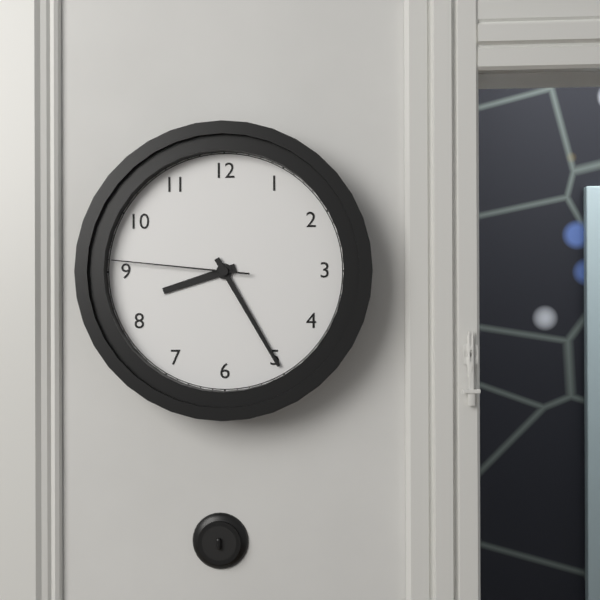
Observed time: 8:25:46
